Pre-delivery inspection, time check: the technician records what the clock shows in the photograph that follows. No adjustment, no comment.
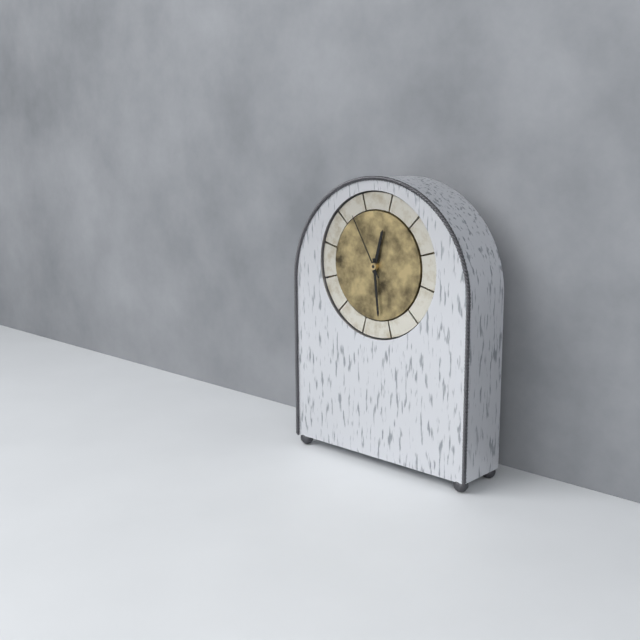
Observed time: 12:29:55
